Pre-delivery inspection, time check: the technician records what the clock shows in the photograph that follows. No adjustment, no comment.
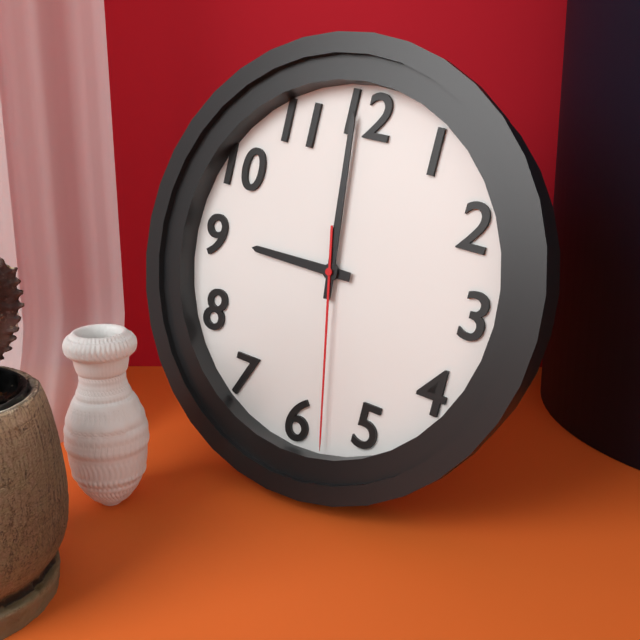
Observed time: 8:59:28
